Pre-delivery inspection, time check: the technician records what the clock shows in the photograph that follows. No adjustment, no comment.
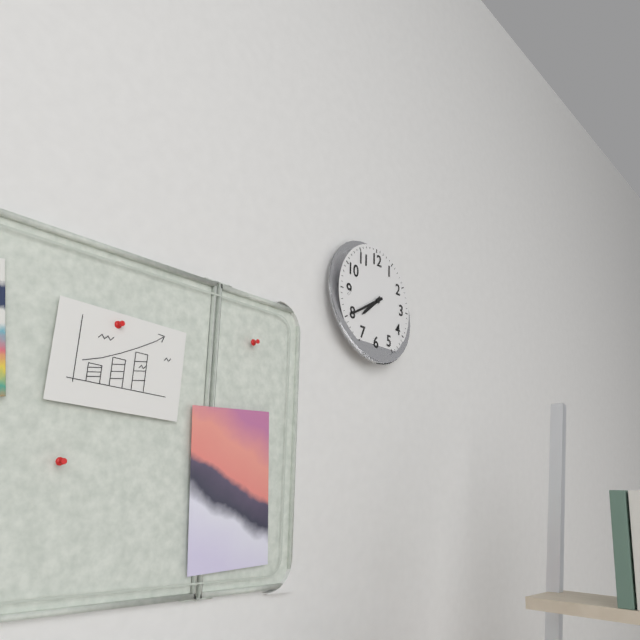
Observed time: 7:40
